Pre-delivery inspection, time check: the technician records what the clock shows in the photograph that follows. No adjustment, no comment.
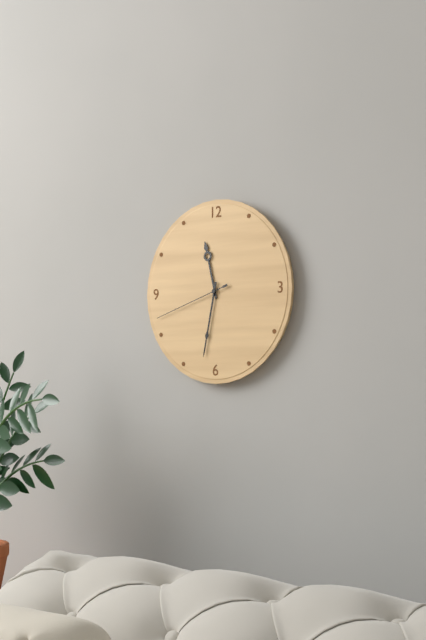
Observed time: 11:32:42
